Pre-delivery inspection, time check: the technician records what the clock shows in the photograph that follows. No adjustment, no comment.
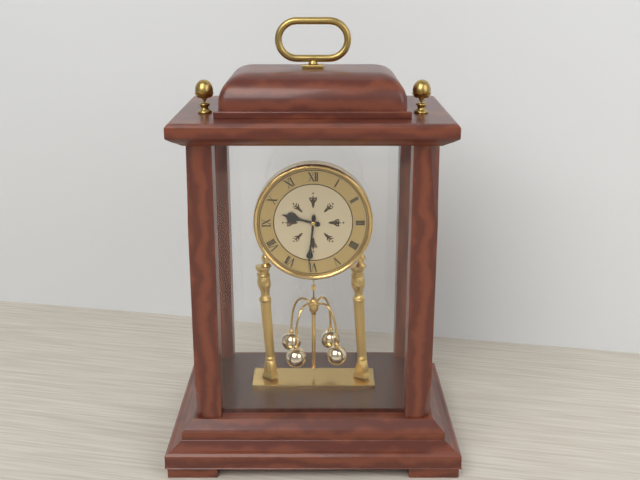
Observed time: 9:31
